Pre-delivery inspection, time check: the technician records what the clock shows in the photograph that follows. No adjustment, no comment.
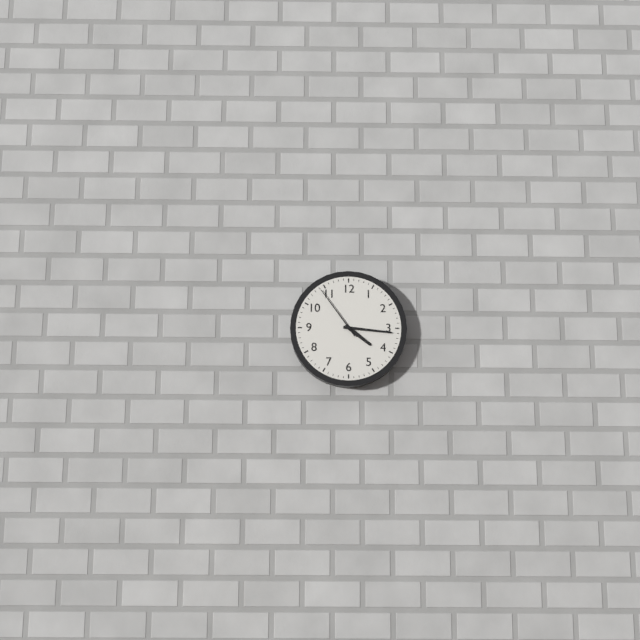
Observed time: 4:16:54
